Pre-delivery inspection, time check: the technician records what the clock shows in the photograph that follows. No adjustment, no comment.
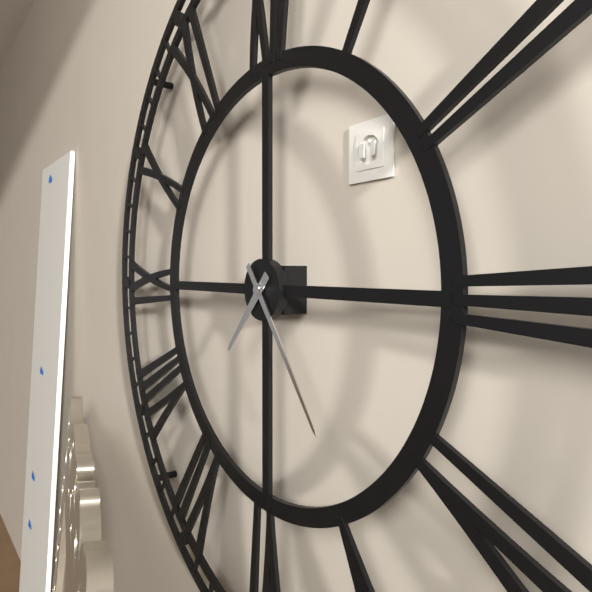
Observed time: 7:24
